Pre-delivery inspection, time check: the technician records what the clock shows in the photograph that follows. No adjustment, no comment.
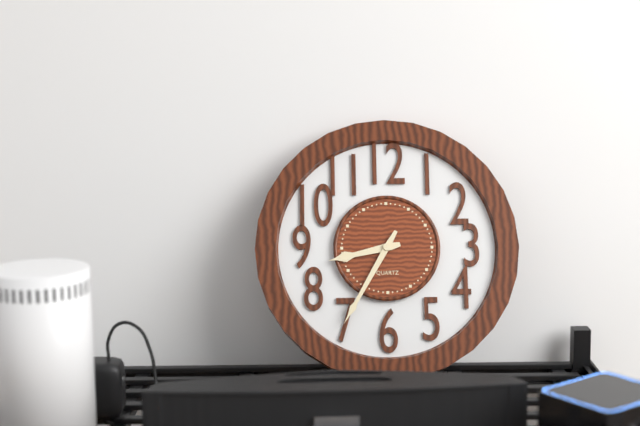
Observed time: 8:35
